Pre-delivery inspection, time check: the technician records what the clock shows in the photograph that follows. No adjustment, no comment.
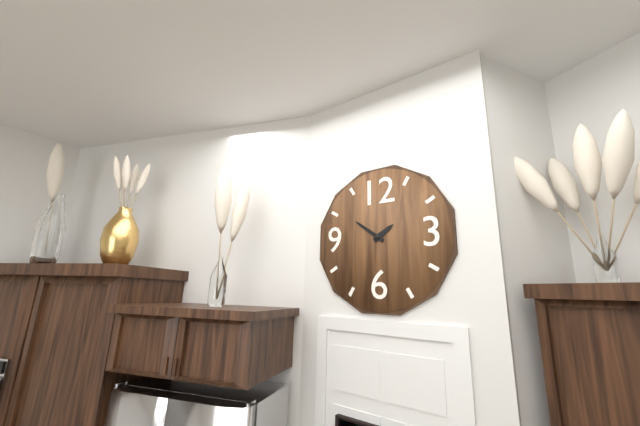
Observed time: 1:51
